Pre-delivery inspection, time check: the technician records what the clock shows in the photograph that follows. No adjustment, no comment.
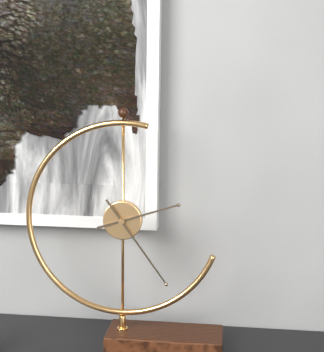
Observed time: 2:24
